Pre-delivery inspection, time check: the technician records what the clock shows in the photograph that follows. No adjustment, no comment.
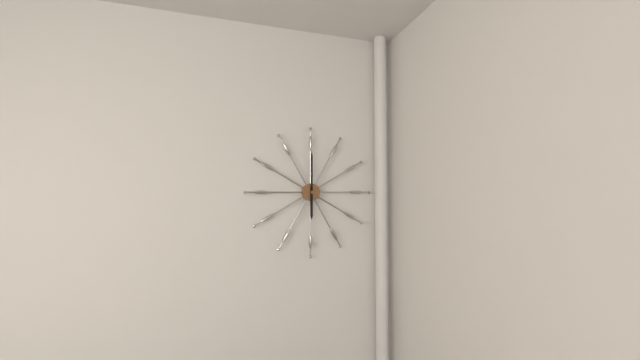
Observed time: 6:00
